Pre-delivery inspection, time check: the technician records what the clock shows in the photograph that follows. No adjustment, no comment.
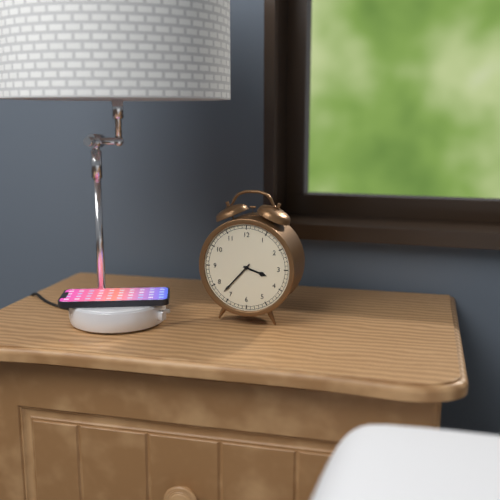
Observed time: 3:37
